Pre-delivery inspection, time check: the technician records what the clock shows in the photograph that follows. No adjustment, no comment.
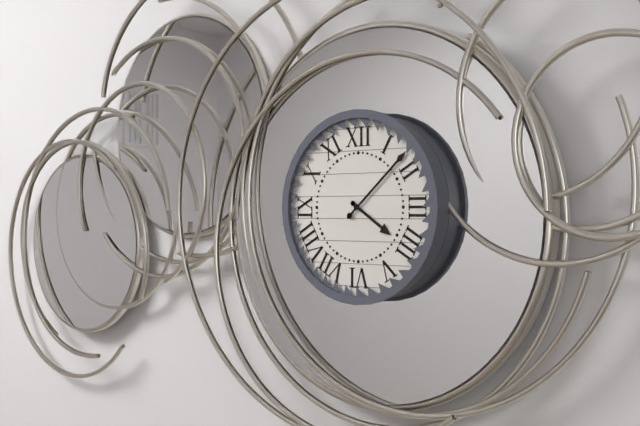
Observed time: 4:08
